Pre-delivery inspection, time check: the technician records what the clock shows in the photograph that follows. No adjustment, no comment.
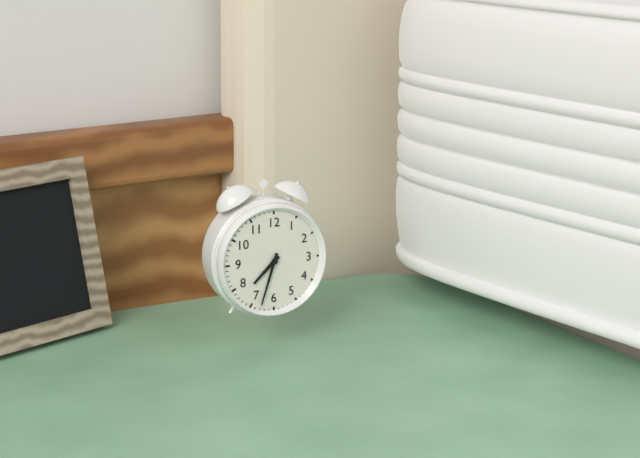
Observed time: 7:33
